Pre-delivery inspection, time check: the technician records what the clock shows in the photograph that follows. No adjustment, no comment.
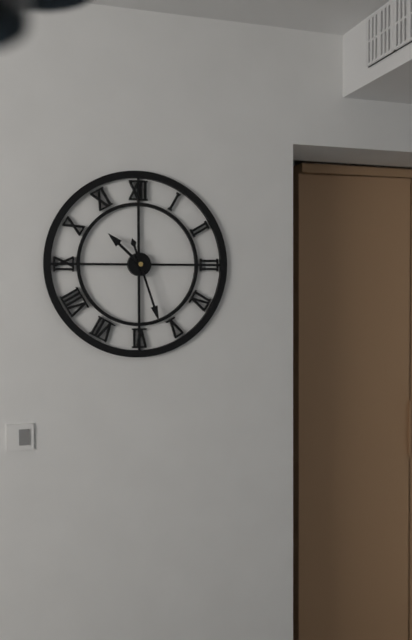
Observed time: 10:27
